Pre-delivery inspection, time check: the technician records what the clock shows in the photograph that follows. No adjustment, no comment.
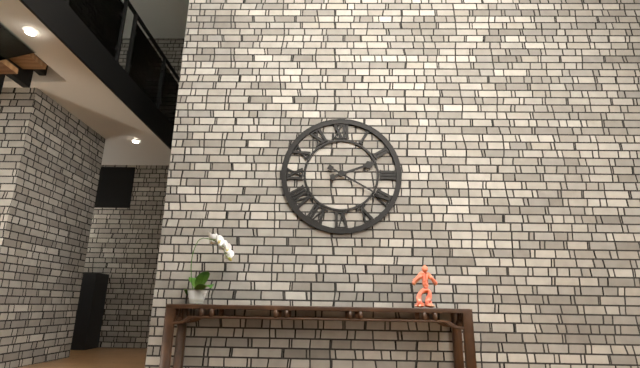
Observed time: 2:20
